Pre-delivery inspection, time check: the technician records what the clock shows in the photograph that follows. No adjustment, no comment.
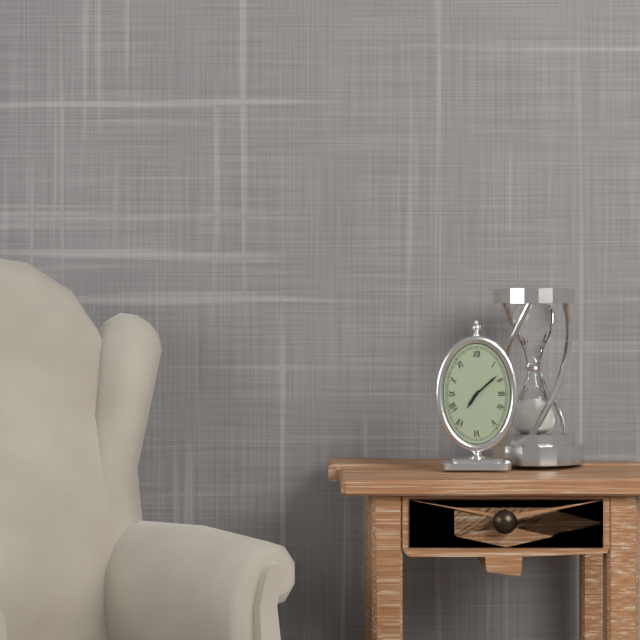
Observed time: 7:08
